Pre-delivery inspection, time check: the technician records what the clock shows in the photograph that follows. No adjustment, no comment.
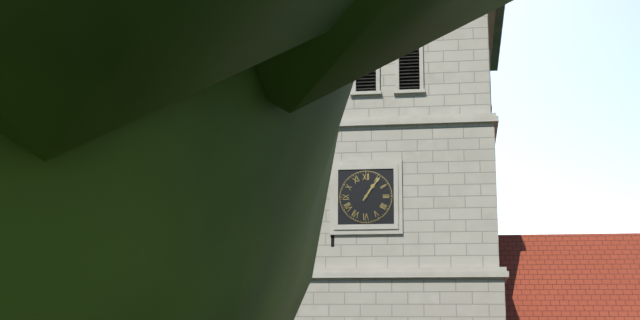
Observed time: 1:06
